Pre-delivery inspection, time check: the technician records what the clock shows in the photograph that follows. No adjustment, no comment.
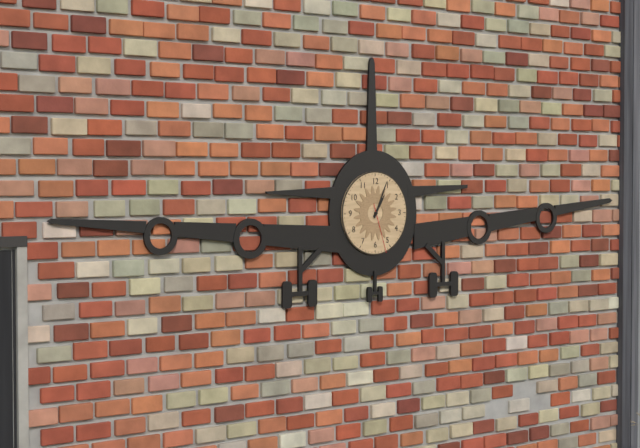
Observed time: 1:04:27
